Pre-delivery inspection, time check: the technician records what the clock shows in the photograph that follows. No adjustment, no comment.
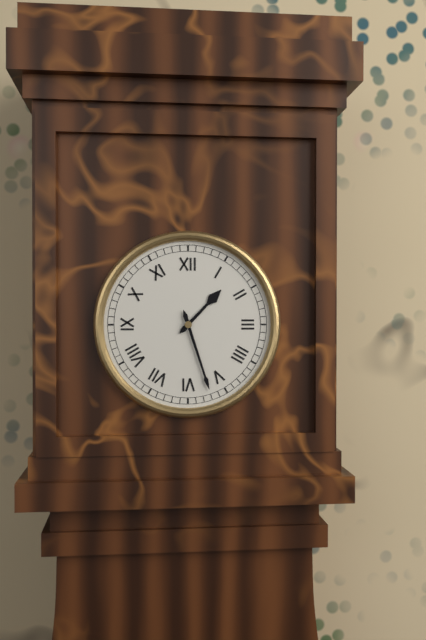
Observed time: 1:27
